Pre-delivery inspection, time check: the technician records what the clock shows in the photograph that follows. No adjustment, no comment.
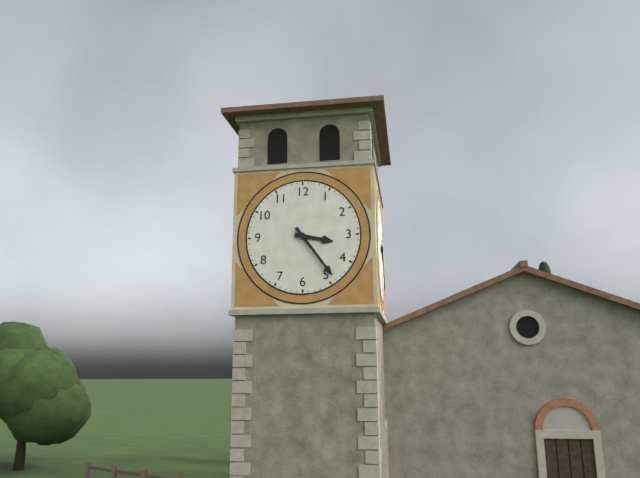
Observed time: 3:24
